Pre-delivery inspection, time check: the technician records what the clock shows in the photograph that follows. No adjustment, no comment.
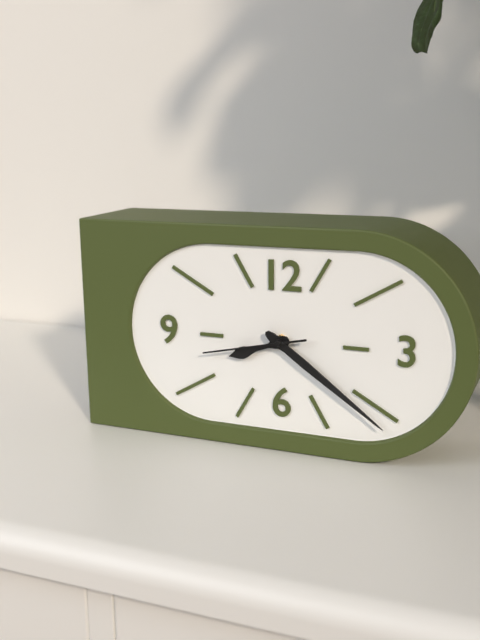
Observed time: 8:21:43
